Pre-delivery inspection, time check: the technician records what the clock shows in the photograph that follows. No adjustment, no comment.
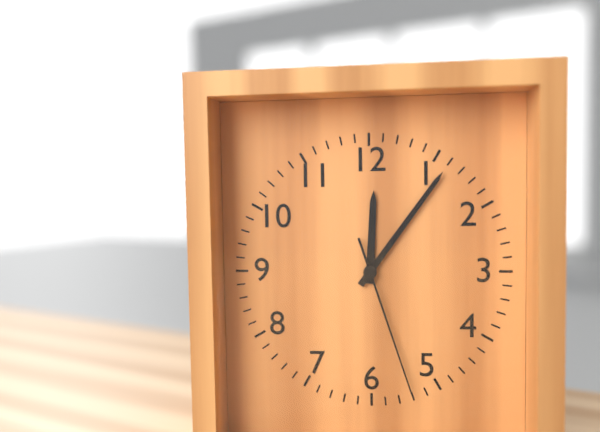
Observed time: 12:06:27
